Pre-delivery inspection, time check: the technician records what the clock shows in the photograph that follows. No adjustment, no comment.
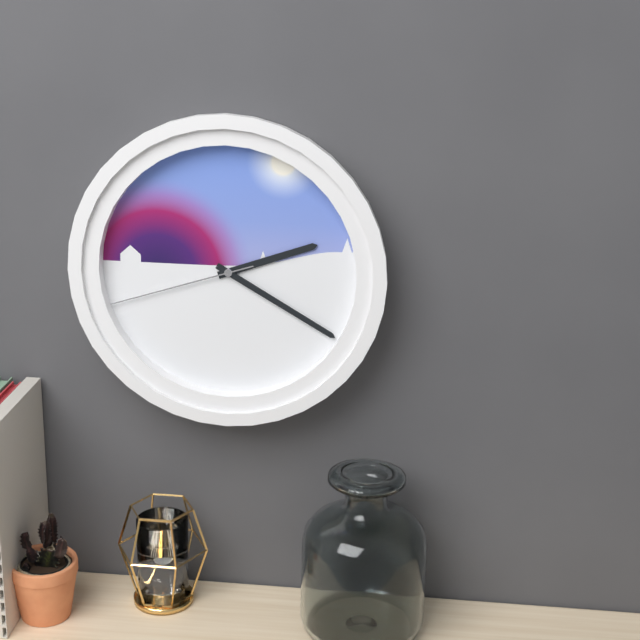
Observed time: 2:20:42
